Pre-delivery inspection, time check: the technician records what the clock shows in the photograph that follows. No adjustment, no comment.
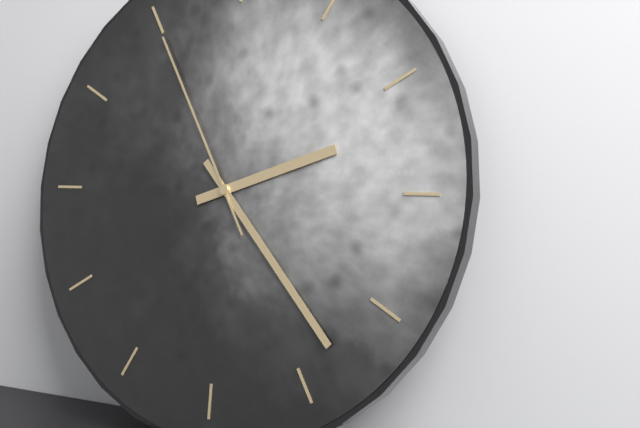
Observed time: 2:23:55
